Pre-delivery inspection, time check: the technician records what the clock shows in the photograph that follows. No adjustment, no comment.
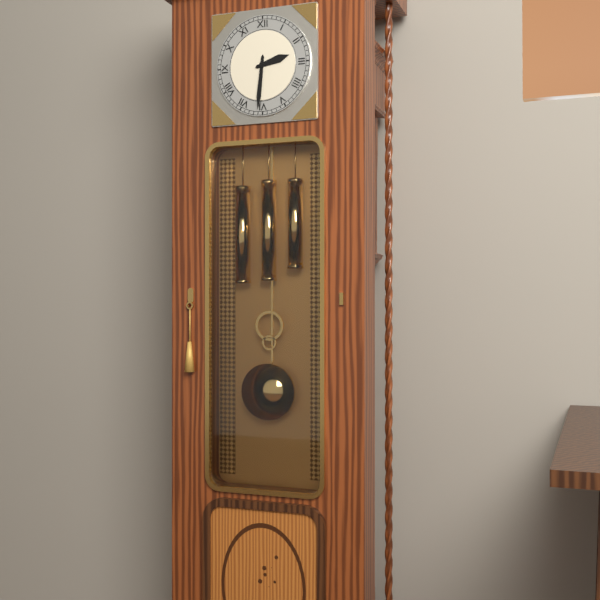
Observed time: 2:31
